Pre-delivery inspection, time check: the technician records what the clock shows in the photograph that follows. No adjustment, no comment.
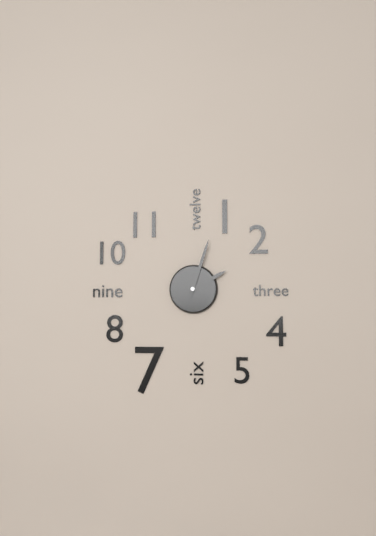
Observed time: 2:03
